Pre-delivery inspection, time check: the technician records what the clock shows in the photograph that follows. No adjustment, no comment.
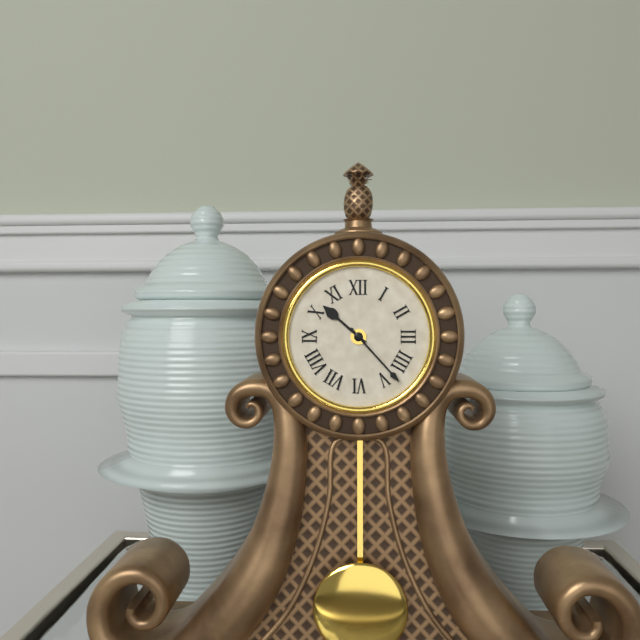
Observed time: 10:23
